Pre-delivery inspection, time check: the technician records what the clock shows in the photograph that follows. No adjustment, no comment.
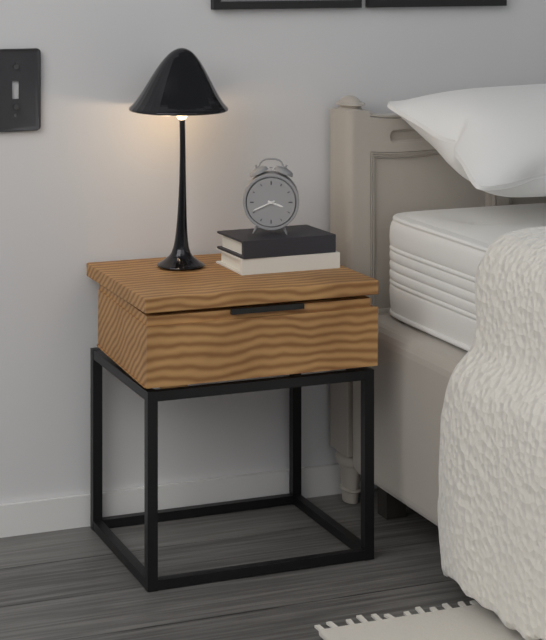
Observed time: 3:41
